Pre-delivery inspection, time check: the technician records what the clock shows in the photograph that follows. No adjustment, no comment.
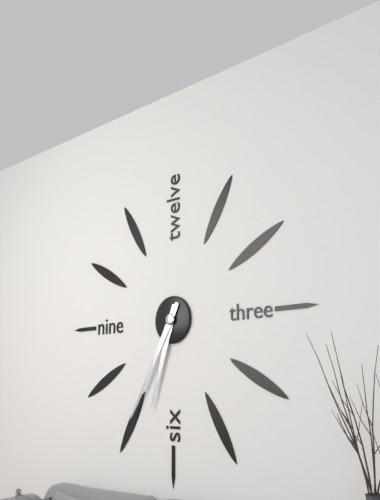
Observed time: 6:35
